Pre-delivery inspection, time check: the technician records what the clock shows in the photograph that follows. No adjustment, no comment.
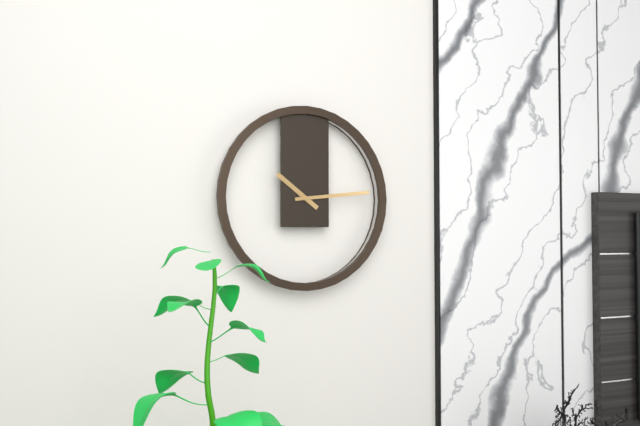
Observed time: 10:14
